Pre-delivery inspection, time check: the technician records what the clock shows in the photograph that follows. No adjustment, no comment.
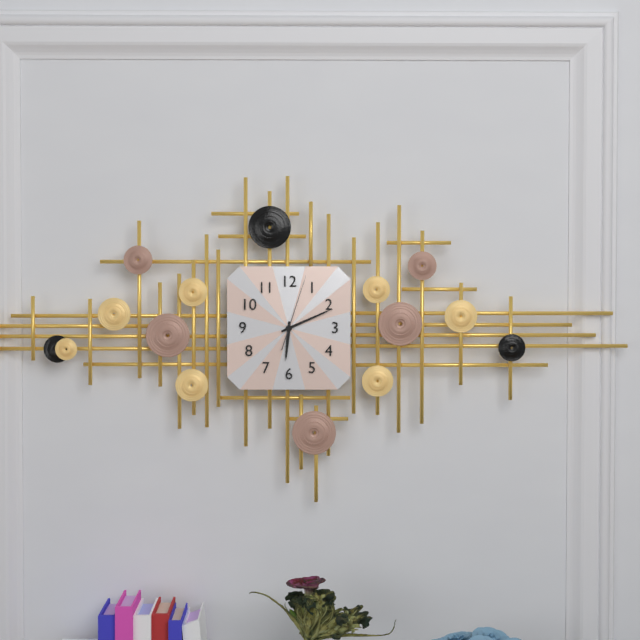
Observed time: 6:11:03
